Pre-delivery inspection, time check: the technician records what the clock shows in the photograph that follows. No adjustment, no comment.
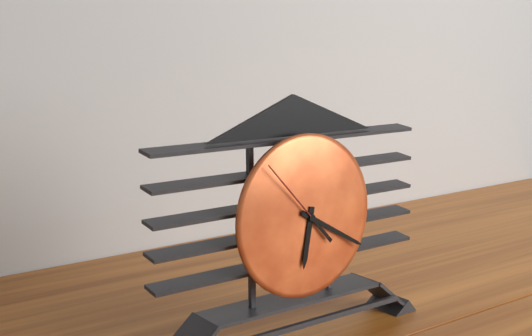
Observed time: 6:20:53
